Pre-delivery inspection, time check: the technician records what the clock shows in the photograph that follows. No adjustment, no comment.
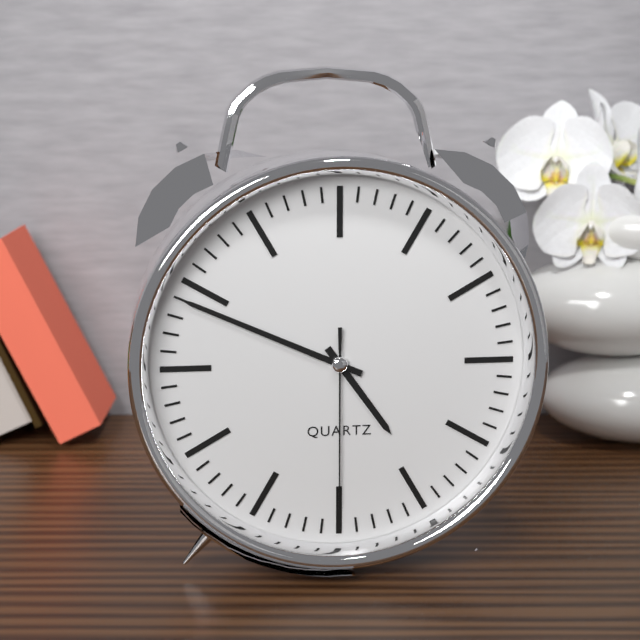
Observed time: 4:49:30
